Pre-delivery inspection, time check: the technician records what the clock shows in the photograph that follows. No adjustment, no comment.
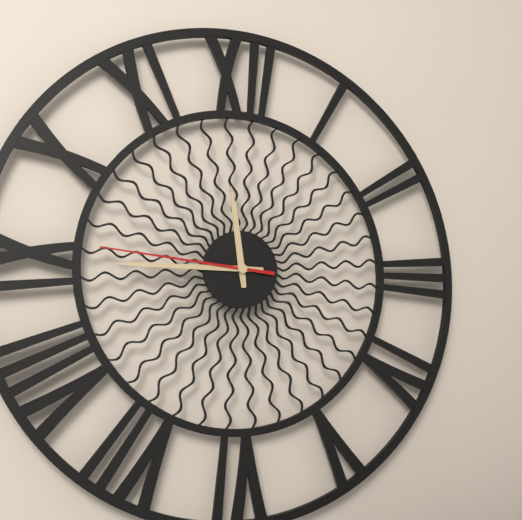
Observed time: 11:45:46
